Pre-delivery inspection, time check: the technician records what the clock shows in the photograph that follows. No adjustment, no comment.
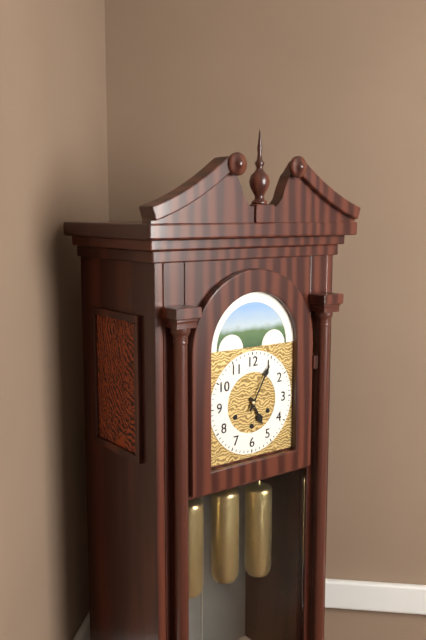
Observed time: 5:05
